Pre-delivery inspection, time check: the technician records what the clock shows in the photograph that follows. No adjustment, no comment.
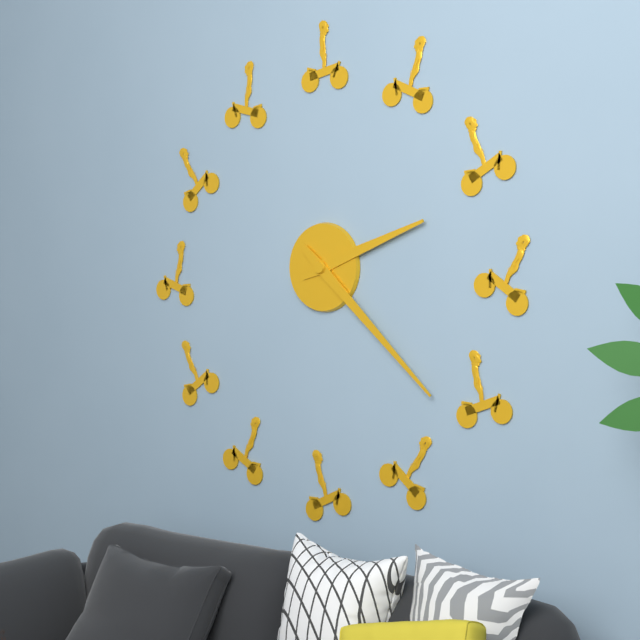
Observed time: 2:22
